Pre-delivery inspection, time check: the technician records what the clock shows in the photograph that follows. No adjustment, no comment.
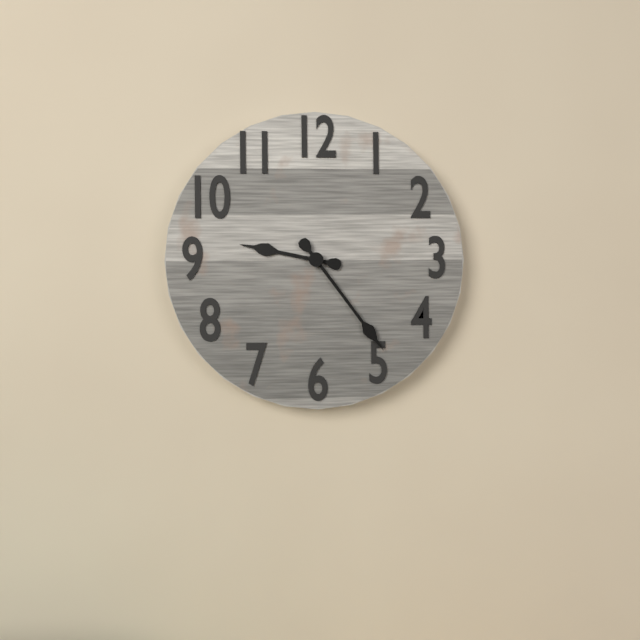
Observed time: 9:24
